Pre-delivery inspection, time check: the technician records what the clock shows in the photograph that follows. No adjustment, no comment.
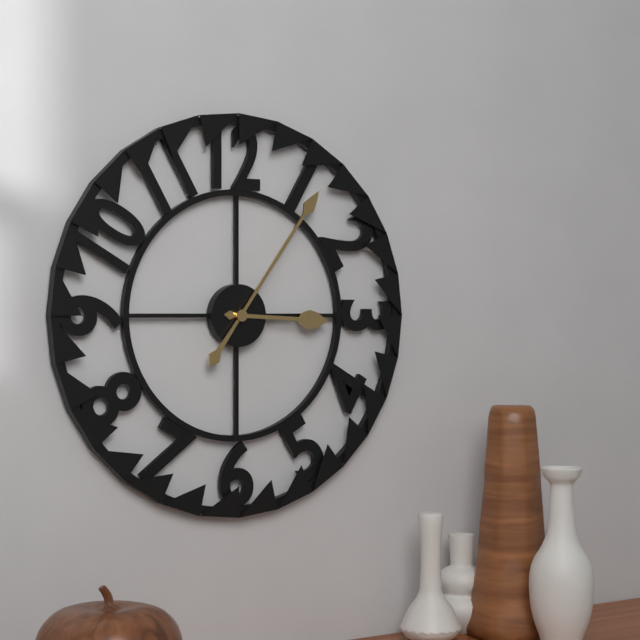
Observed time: 3:06
